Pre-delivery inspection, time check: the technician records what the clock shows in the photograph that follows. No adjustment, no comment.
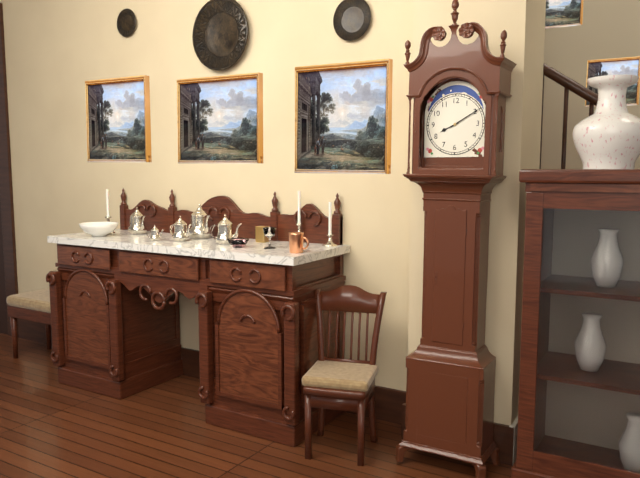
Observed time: 8:10
